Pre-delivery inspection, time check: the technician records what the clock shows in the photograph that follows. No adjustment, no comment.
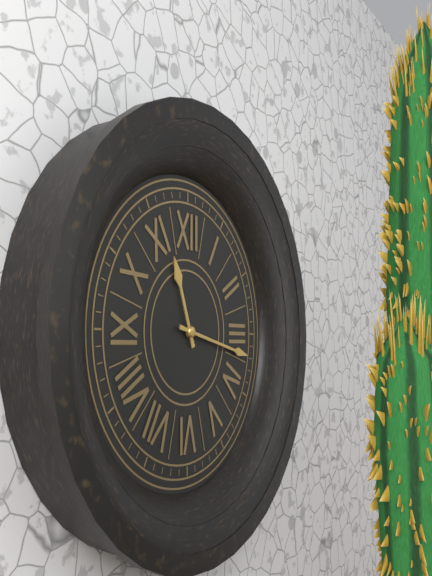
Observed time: 11:17
